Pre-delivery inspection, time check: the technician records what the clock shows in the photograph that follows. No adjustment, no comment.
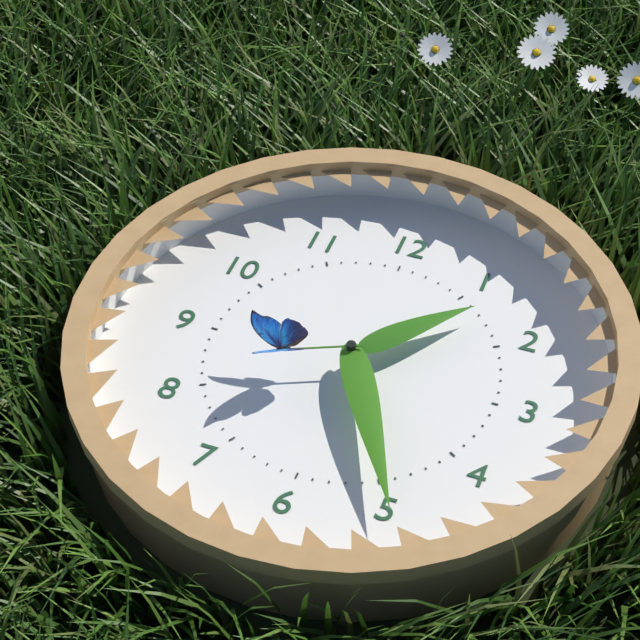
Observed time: 1:25:41
